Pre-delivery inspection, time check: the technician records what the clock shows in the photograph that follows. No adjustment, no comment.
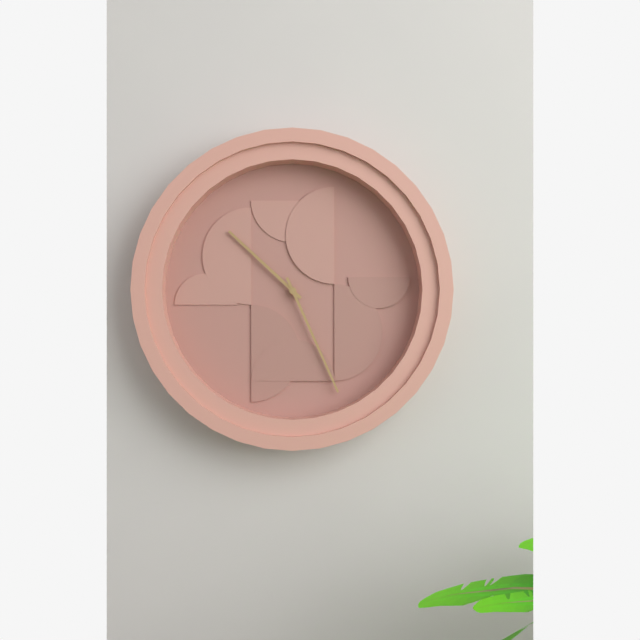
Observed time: 10:26
